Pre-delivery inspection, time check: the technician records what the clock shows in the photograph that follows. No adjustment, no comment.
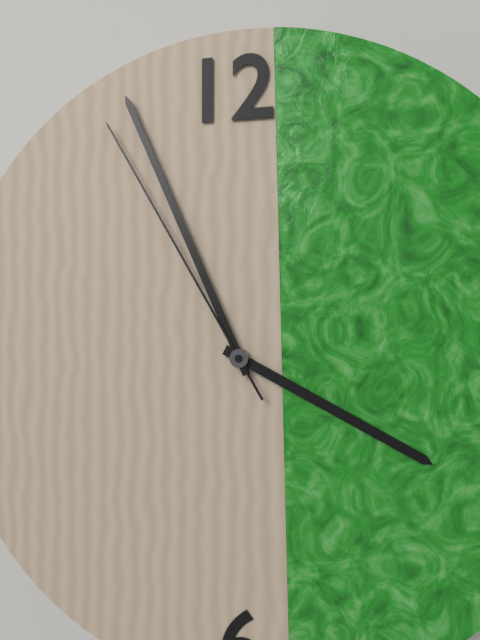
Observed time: 3:56:55
